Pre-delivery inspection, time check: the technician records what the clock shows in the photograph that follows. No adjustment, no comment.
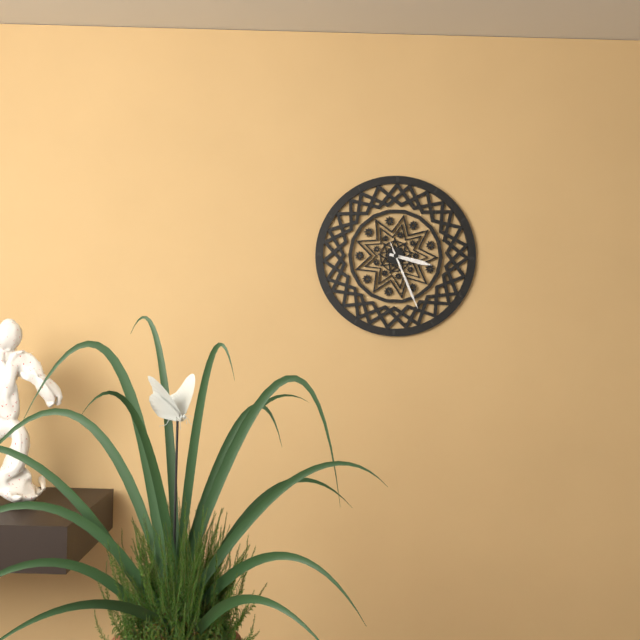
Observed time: 3:26:26
